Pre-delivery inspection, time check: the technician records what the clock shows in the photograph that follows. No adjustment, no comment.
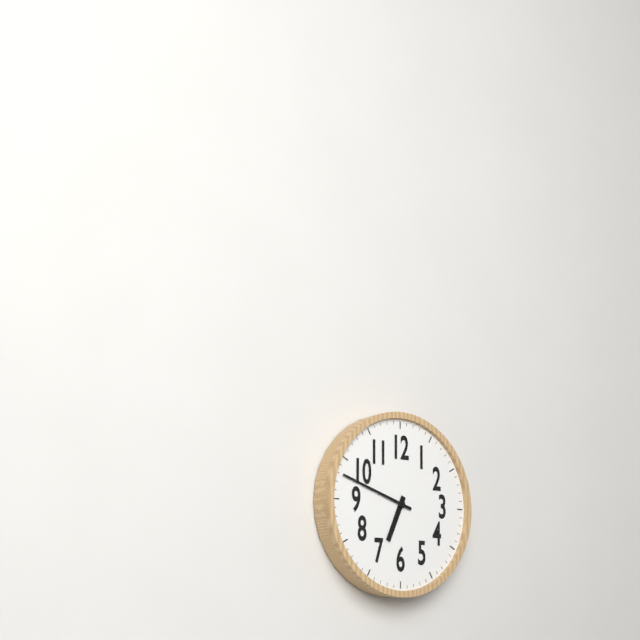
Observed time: 6:48
